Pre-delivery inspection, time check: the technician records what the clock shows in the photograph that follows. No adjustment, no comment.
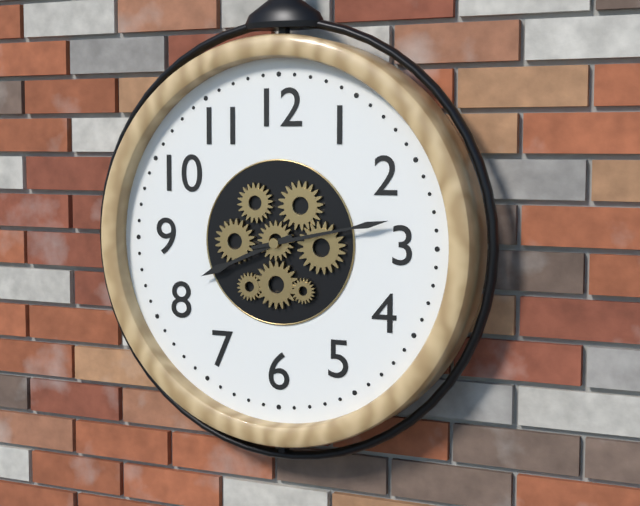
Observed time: 8:13
